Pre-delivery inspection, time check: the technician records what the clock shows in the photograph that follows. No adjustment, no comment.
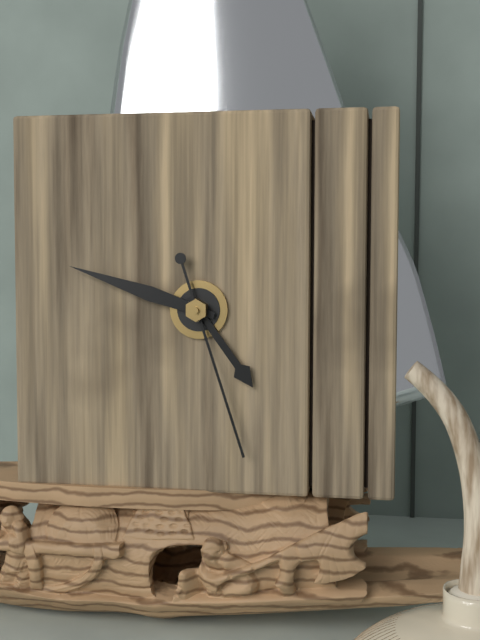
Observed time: 4:48:27
